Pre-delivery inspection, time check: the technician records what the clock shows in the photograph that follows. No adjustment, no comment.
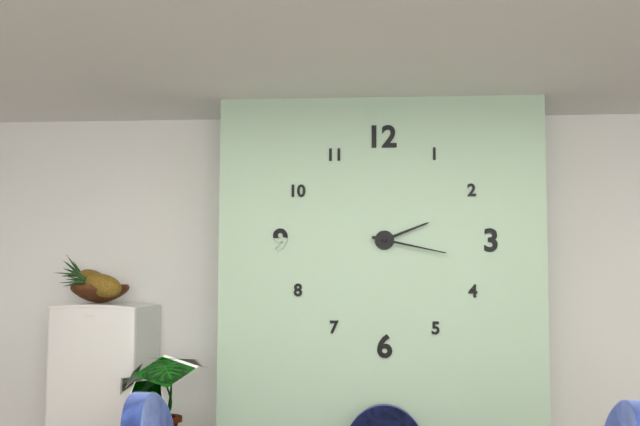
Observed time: 2:17
